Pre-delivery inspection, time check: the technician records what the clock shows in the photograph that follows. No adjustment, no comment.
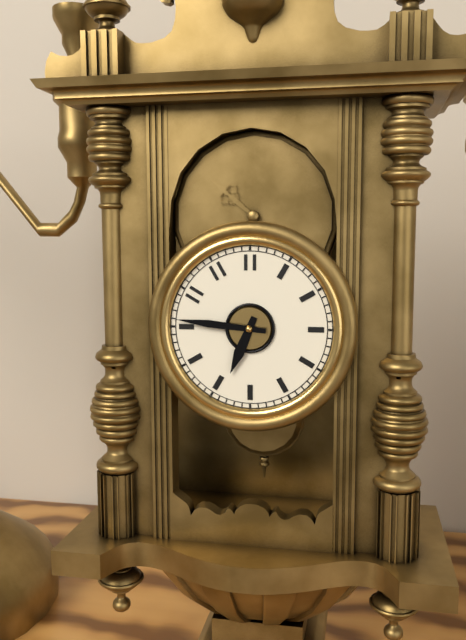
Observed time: 6:46
